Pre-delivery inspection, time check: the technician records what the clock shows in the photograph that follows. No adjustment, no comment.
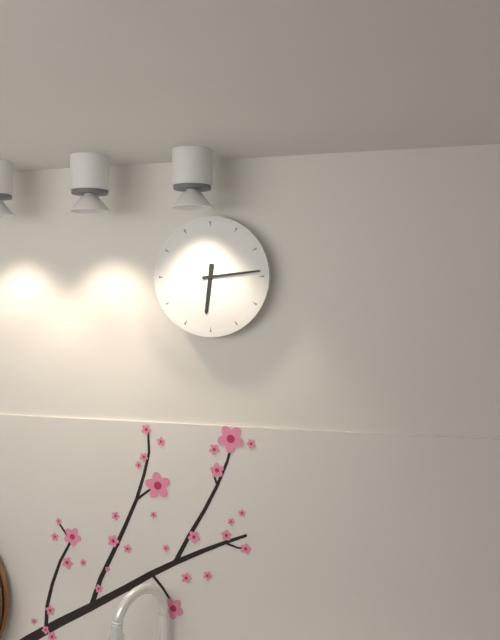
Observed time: 6:14
